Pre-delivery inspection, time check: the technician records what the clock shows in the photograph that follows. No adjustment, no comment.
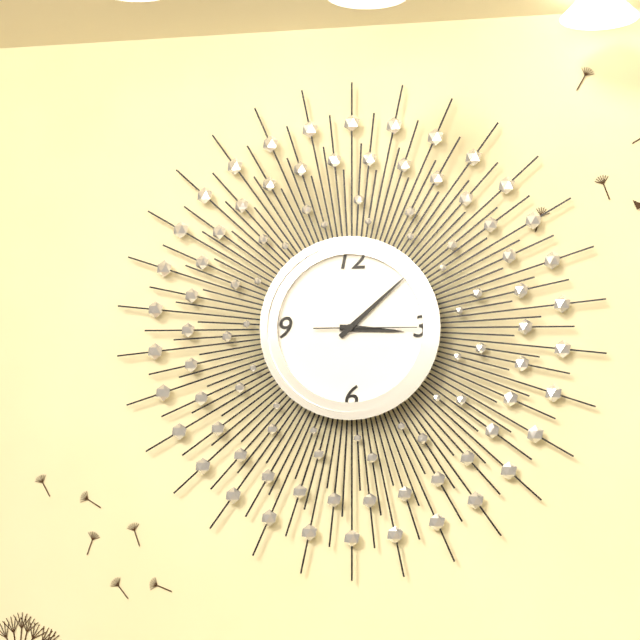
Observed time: 3:08:15
